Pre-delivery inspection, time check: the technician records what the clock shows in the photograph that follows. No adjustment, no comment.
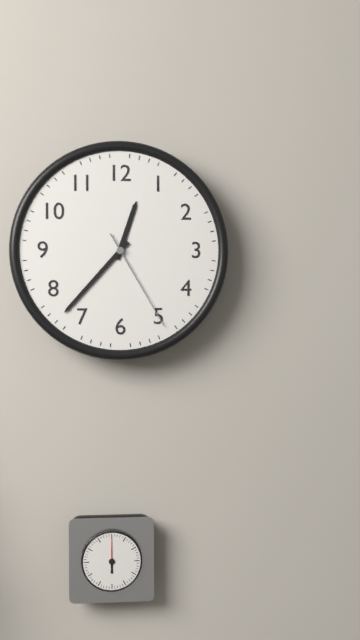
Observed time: 12:37:25
